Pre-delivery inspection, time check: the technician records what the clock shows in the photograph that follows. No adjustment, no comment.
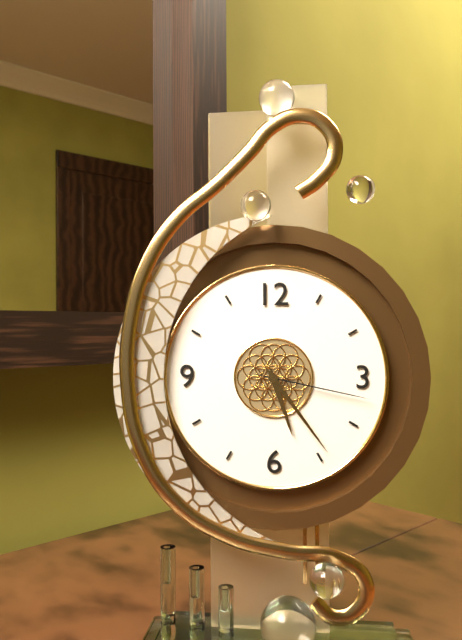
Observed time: 5:24:17
